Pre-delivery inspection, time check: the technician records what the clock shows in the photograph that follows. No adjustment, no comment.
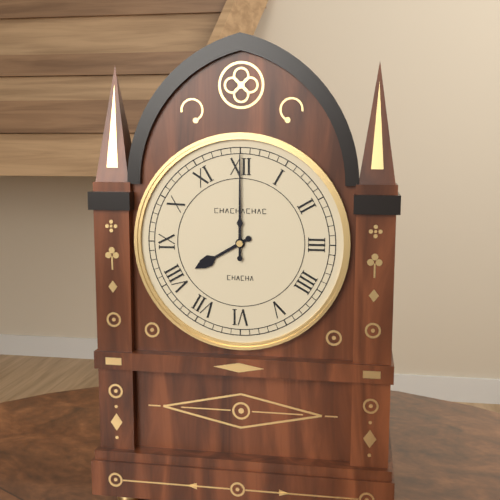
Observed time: 8:00
